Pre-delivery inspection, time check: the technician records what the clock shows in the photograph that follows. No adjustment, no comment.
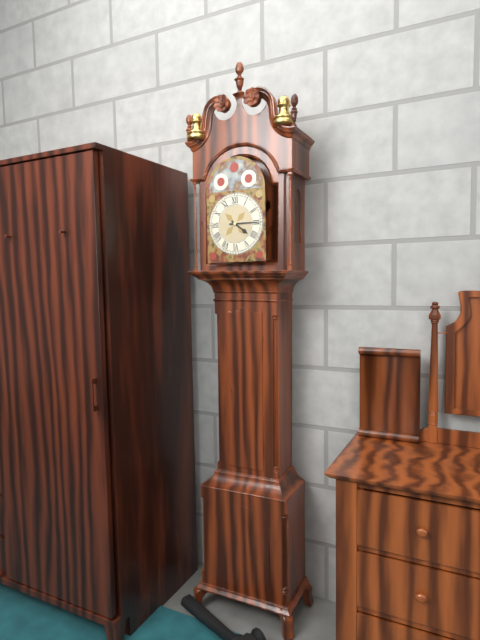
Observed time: 4:15
